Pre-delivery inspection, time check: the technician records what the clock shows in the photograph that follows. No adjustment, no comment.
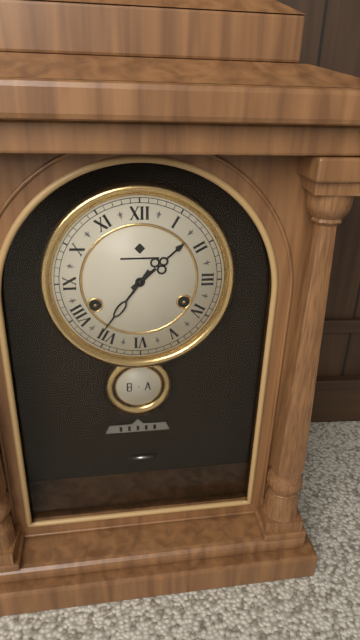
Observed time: 1:36
